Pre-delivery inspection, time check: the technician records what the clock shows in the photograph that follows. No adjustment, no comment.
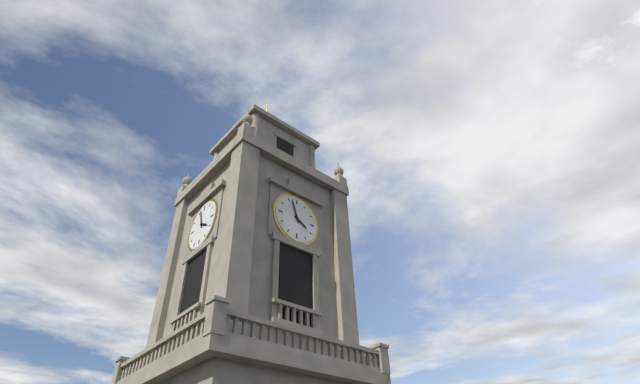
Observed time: 3:57
